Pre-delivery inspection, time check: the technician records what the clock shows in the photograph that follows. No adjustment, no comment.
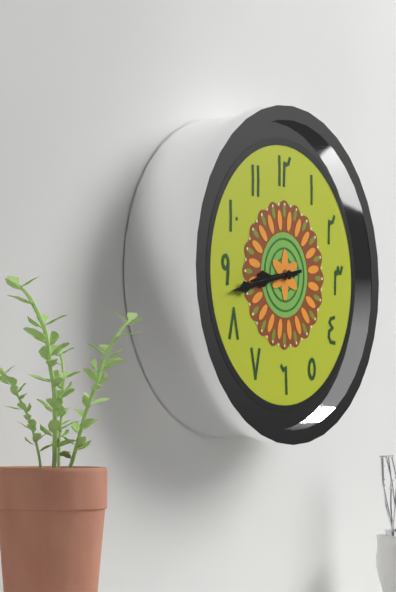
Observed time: 8:43
